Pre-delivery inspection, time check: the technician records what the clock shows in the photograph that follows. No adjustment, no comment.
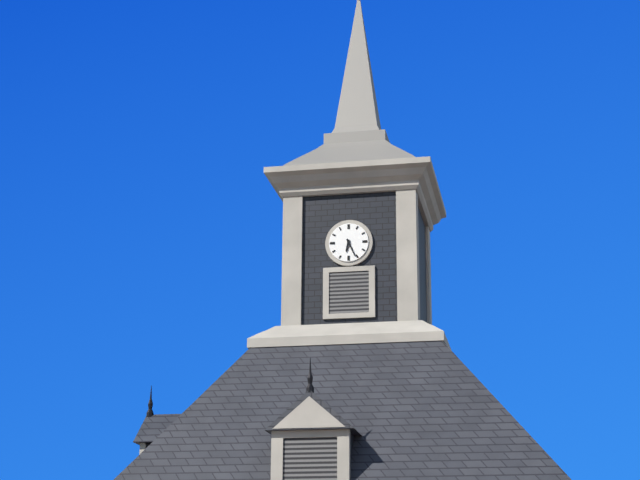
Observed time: 6:26
